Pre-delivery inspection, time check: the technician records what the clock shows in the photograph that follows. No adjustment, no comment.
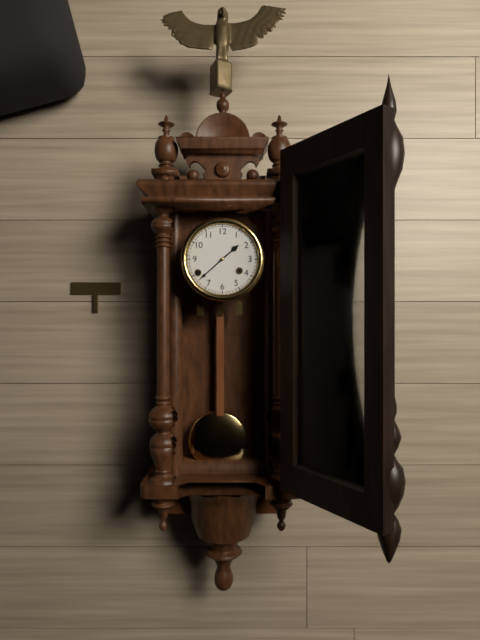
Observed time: 1:38
